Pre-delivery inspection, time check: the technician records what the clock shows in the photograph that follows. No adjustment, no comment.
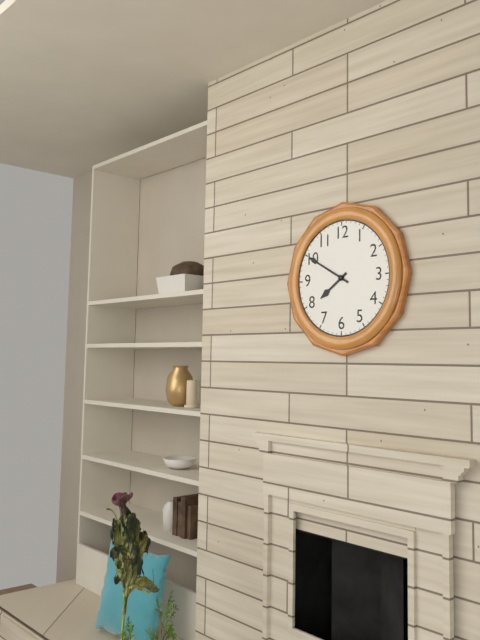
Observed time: 7:50
